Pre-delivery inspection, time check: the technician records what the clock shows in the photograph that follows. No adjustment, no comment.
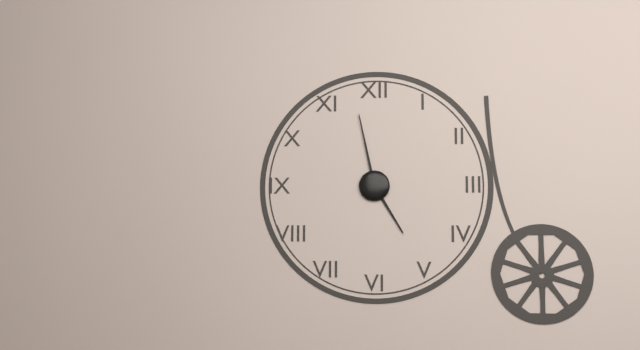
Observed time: 4:58
